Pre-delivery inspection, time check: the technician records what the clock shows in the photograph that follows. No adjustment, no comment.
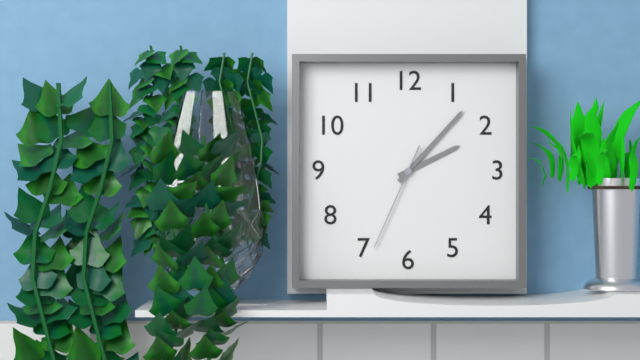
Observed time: 2:07:34
